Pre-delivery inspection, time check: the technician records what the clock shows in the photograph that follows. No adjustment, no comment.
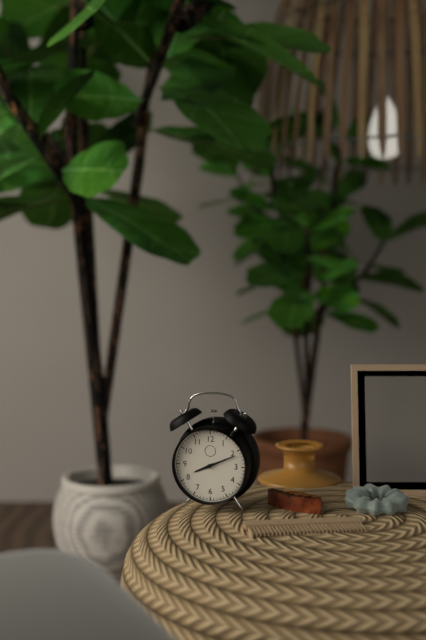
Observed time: 8:11
